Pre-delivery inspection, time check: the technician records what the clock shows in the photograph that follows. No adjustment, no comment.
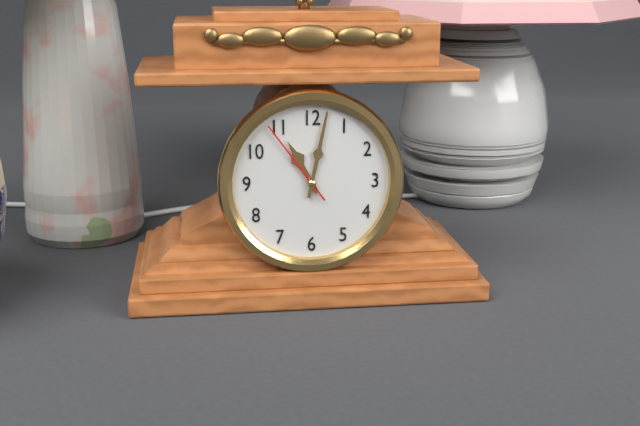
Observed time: 11:02:54
